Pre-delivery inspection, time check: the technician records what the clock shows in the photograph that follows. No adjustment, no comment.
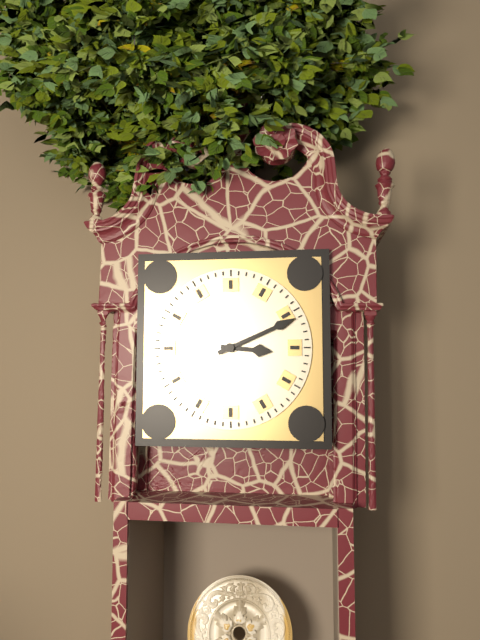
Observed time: 3:11
